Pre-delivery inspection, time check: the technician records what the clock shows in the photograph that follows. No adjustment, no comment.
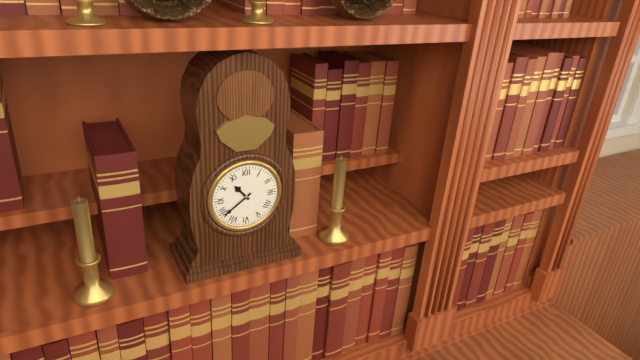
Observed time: 10:39
